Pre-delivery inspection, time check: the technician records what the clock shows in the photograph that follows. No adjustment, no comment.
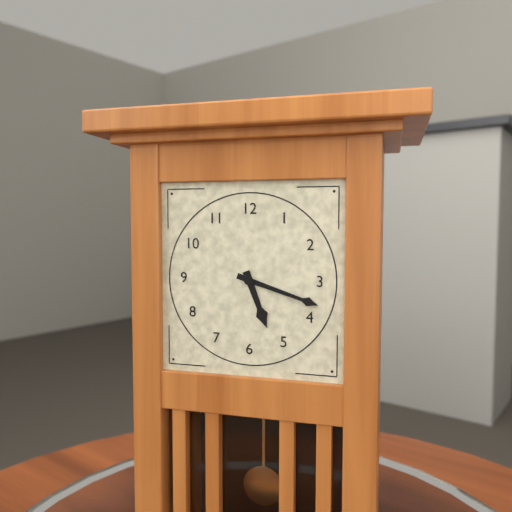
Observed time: 5:18
